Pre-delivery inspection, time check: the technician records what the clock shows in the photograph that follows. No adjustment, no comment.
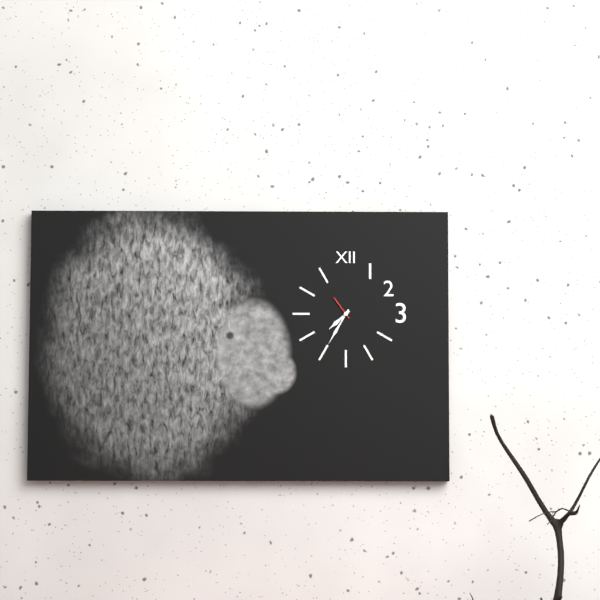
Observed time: 7:35
